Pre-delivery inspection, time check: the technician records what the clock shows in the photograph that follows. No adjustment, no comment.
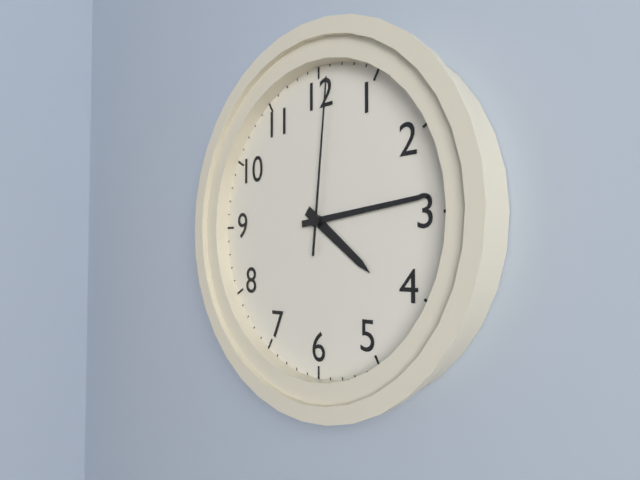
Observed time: 4:14:01
